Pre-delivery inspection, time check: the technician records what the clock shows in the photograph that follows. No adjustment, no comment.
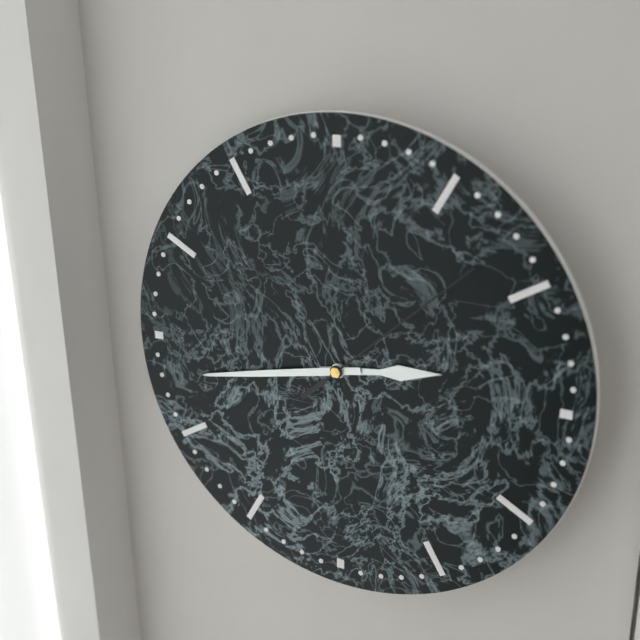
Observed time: 2:43:08
